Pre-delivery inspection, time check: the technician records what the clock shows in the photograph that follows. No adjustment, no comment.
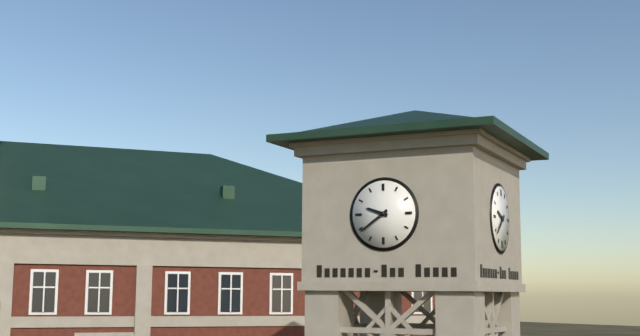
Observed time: 9:39
